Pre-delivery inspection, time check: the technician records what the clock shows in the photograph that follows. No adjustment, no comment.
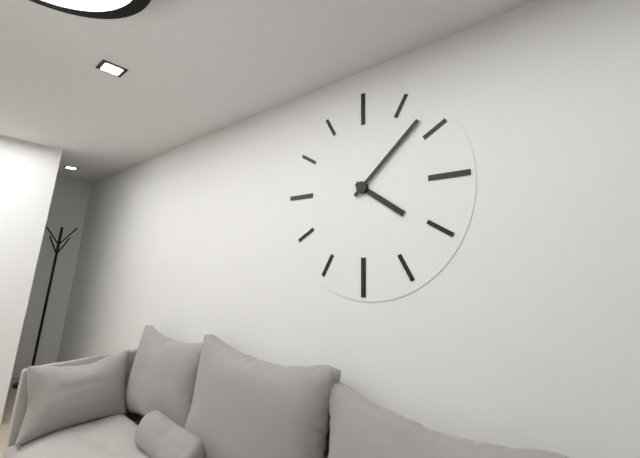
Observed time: 4:08
